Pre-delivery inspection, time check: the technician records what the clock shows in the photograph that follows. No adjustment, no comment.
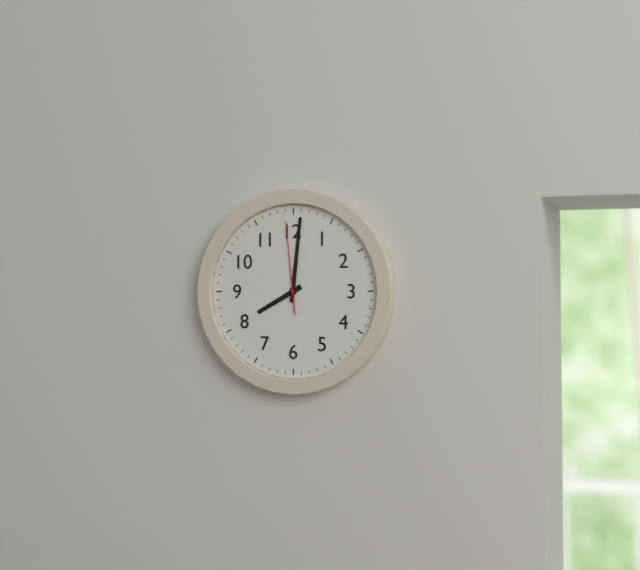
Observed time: 8:01:59
